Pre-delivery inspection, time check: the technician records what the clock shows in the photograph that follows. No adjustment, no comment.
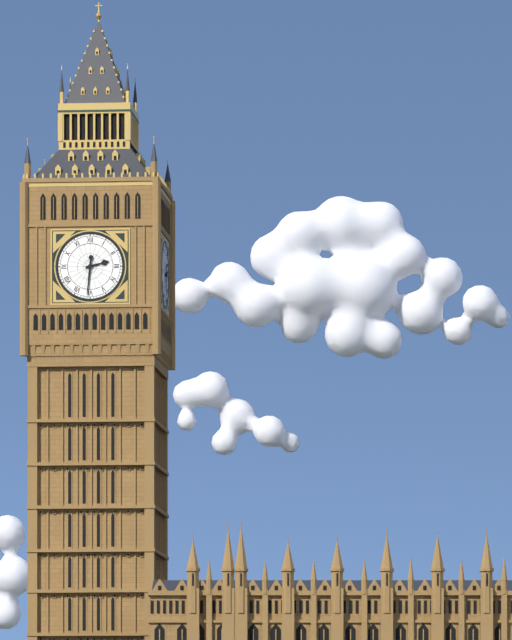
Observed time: 2:31
